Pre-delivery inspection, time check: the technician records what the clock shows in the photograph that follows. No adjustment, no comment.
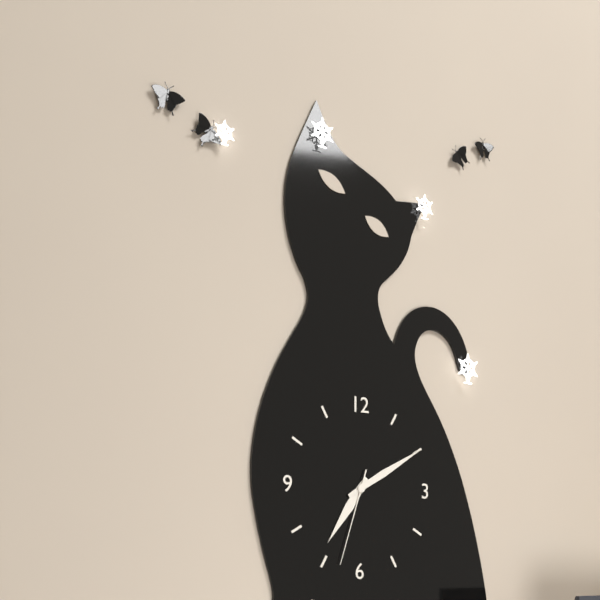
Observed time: 7:10:33
